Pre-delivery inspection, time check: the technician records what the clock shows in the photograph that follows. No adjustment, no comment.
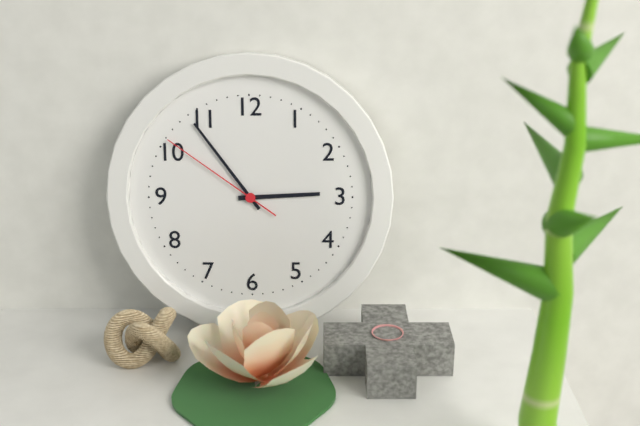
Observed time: 2:54:51
